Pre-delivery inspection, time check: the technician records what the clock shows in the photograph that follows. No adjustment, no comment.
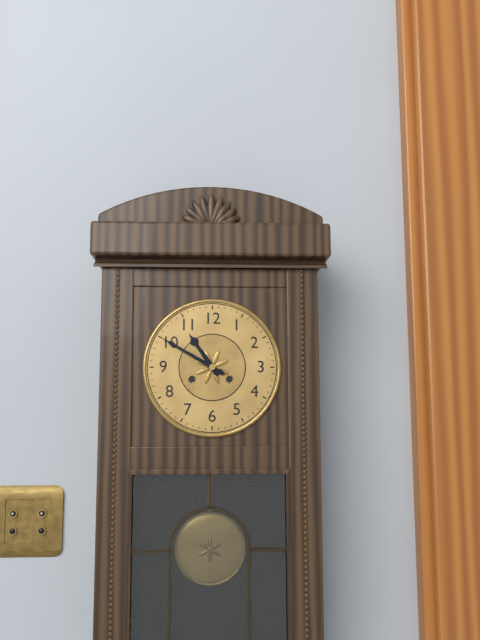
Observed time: 10:50
